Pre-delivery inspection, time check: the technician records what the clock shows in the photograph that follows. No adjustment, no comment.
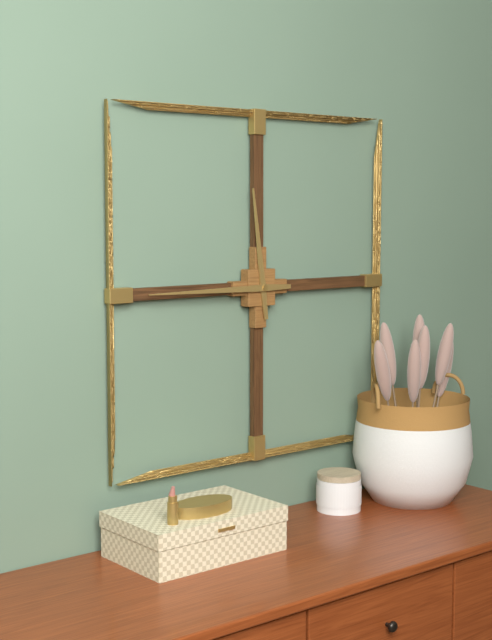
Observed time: 11:45
